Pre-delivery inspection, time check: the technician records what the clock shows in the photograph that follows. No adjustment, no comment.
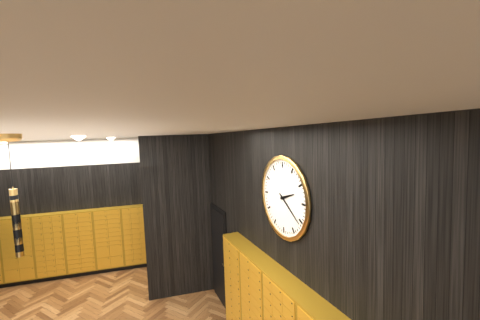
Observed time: 2:21
